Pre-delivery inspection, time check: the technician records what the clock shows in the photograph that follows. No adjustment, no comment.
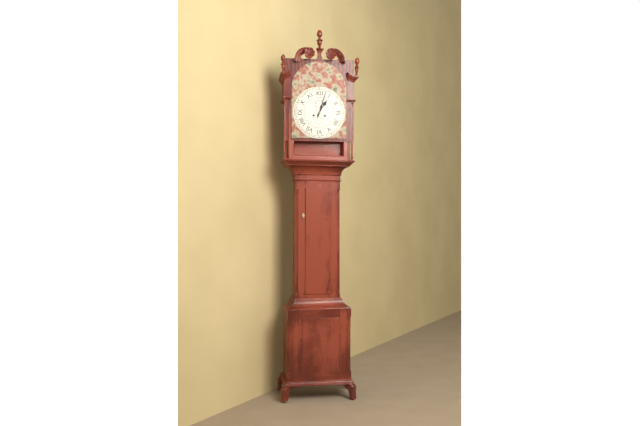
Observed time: 1:03
